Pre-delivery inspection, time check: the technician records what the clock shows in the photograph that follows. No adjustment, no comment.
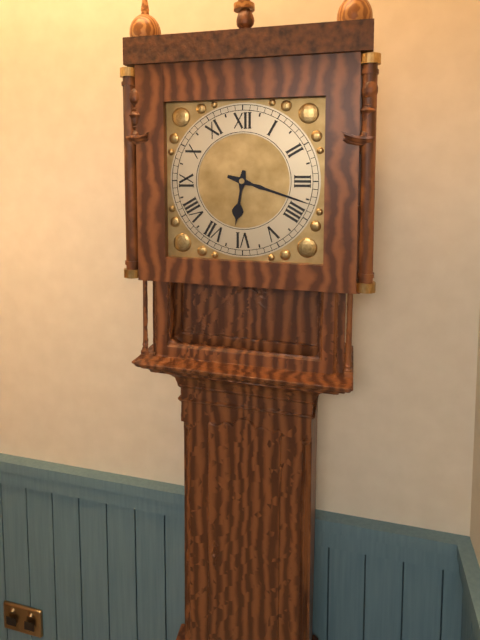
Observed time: 6:18
